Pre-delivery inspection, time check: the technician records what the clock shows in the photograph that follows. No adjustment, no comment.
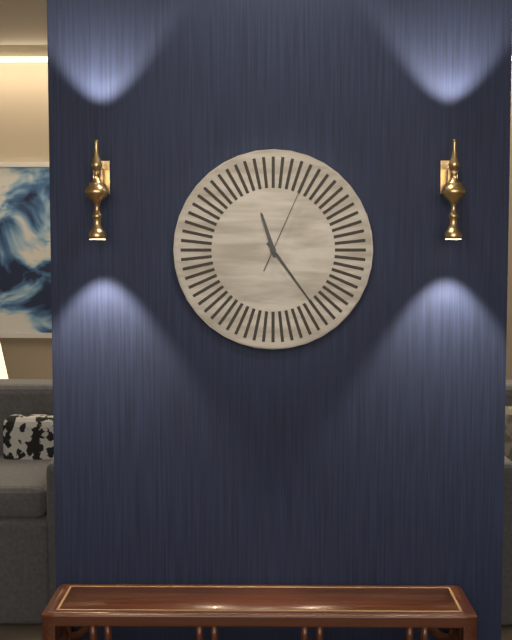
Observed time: 11:24:04
